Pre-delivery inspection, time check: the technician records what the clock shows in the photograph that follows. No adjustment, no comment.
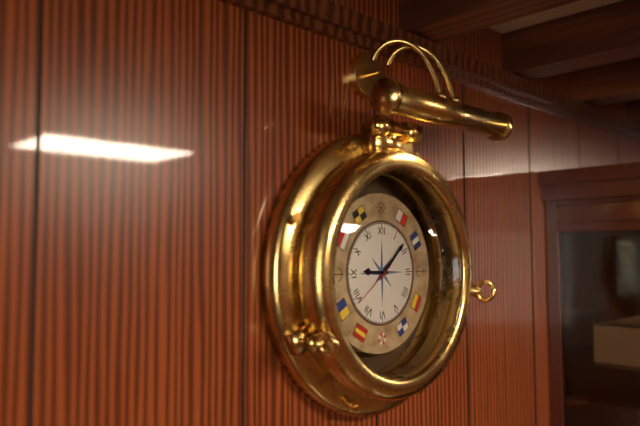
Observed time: 9:08
